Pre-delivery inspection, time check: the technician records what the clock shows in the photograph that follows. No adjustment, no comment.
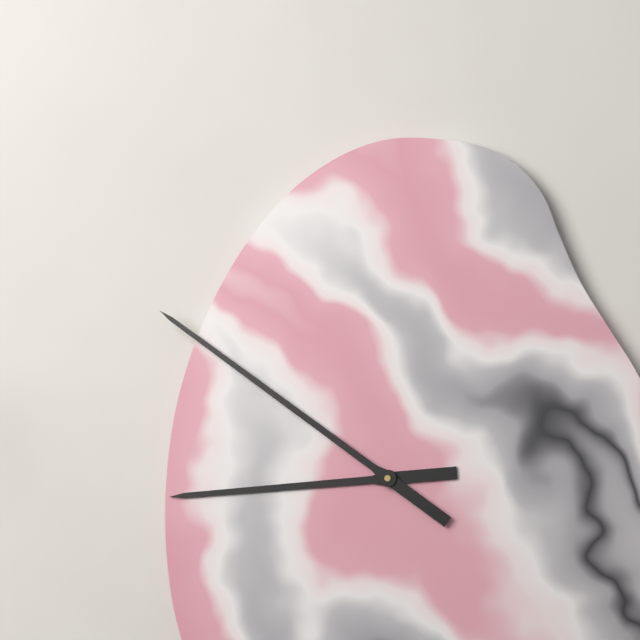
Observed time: 8:51
